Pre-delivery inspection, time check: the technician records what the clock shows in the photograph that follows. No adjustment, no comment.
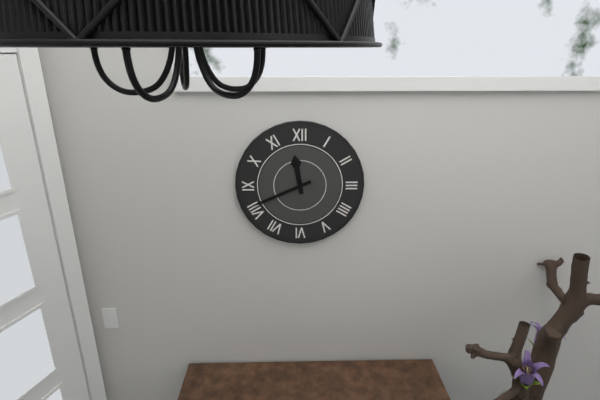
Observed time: 11:41
